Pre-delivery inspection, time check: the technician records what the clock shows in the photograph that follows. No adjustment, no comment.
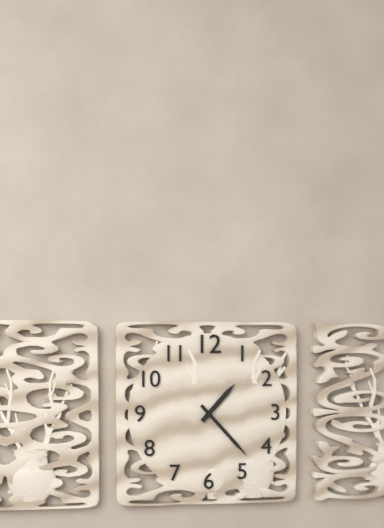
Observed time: 1:23
